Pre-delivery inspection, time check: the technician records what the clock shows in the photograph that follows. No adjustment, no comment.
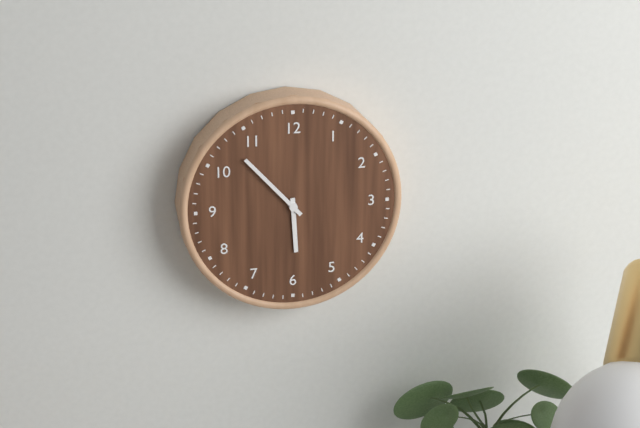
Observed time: 5:53
